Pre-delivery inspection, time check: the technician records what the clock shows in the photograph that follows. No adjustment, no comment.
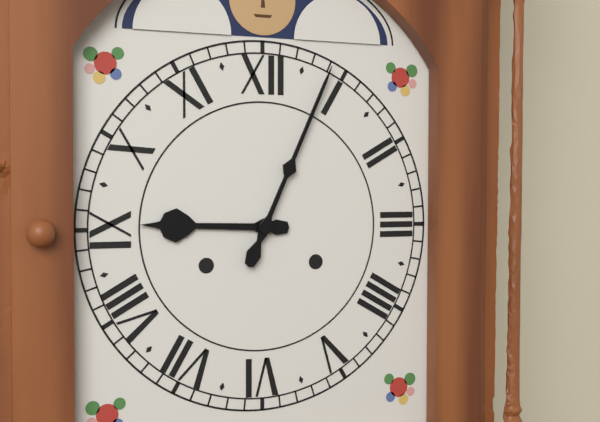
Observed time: 9:04
